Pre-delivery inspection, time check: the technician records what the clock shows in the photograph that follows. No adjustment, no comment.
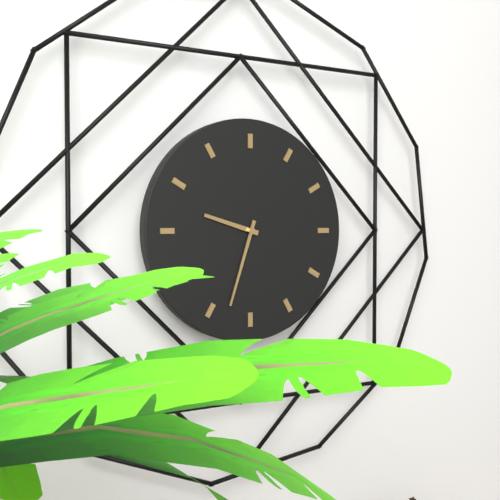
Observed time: 9:33
